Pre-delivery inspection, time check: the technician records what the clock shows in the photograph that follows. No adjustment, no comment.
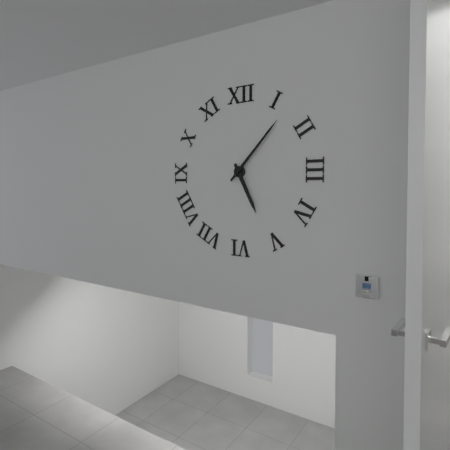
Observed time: 5:07
